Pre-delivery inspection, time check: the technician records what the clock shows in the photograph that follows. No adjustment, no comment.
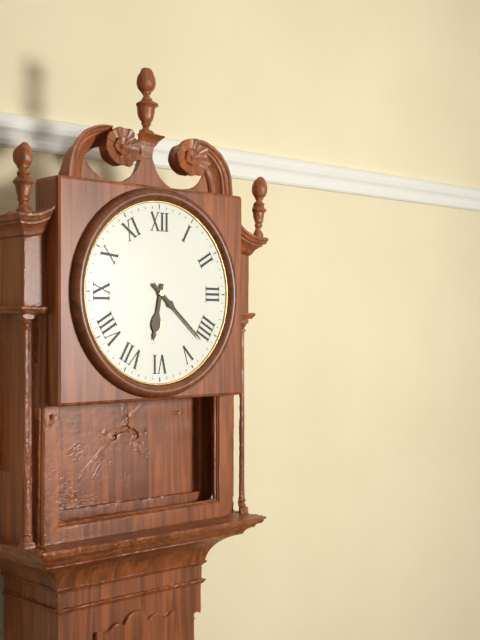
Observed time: 6:22
